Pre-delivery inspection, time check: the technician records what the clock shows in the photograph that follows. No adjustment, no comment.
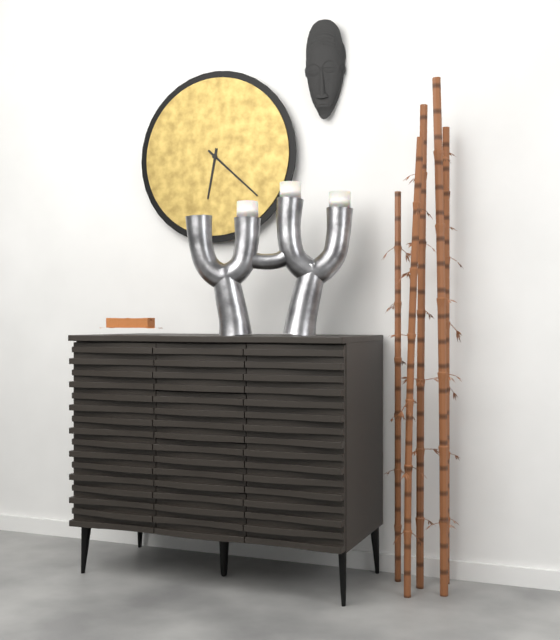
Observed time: 6:22
